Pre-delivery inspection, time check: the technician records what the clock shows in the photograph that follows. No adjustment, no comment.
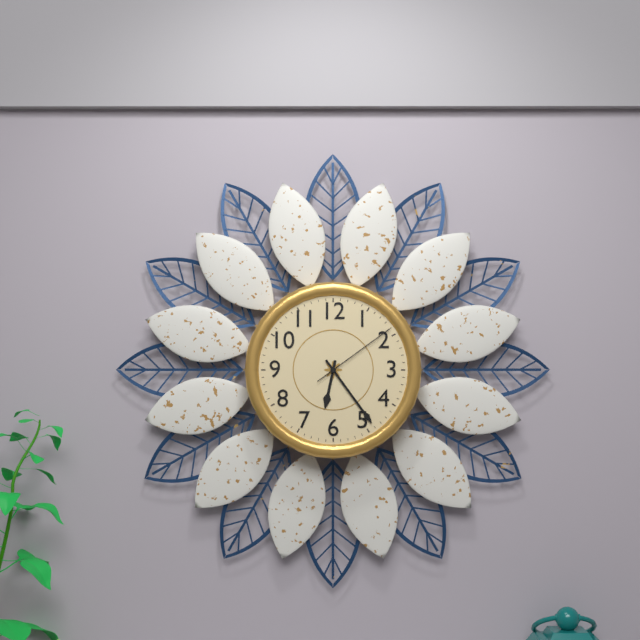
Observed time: 6:24:09
